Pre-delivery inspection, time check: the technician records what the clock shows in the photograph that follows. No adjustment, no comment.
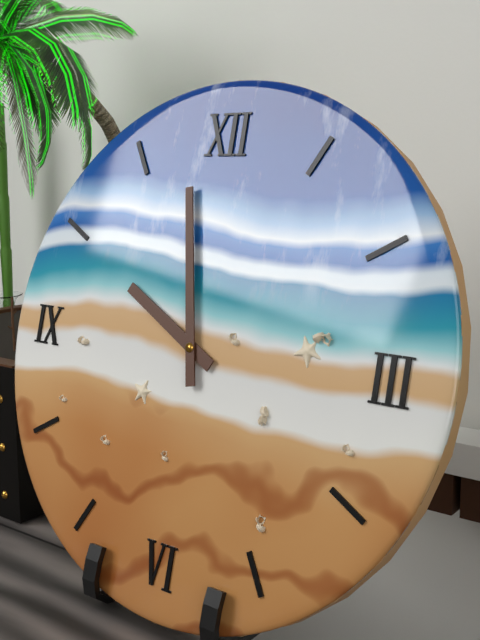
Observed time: 9:58
